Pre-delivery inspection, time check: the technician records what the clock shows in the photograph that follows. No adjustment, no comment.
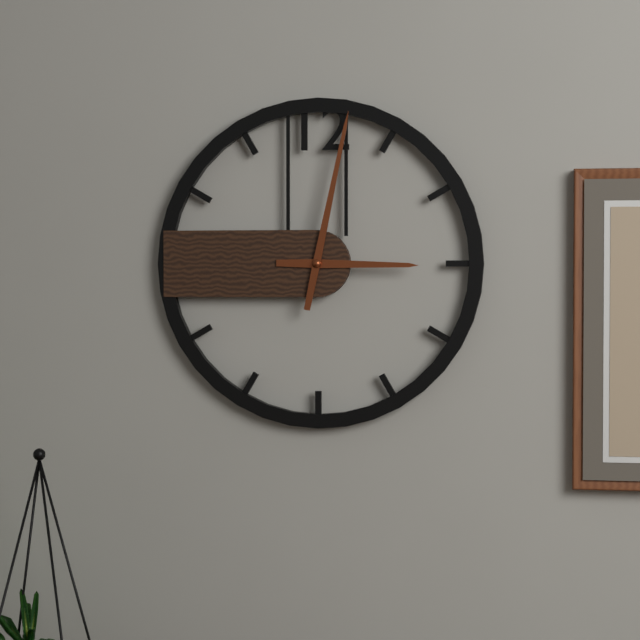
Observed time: 3:02
